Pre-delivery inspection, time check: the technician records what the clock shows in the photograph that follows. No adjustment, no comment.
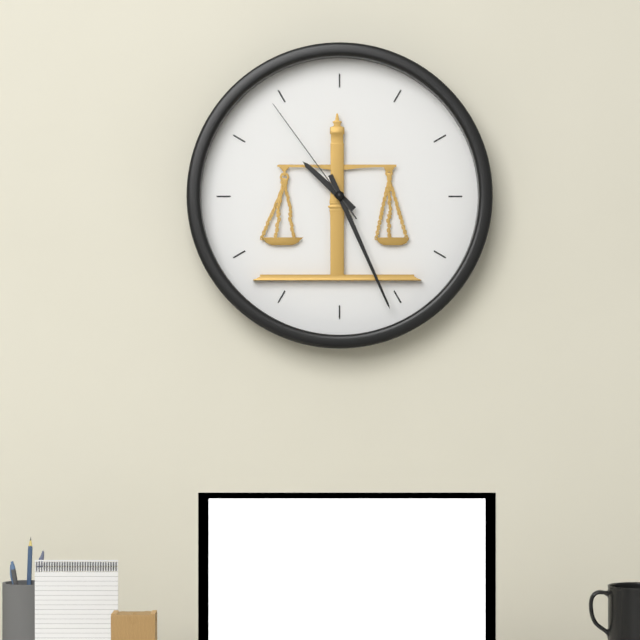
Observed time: 10:26:54
